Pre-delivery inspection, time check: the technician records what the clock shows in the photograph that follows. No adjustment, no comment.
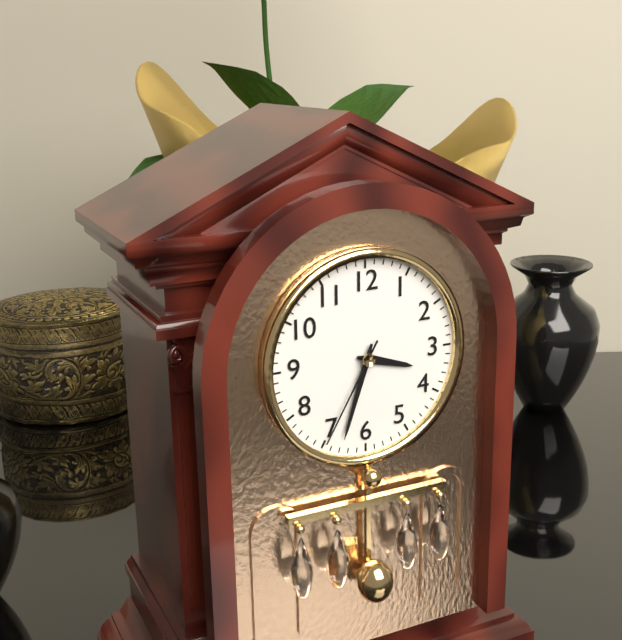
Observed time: 3:33:35
